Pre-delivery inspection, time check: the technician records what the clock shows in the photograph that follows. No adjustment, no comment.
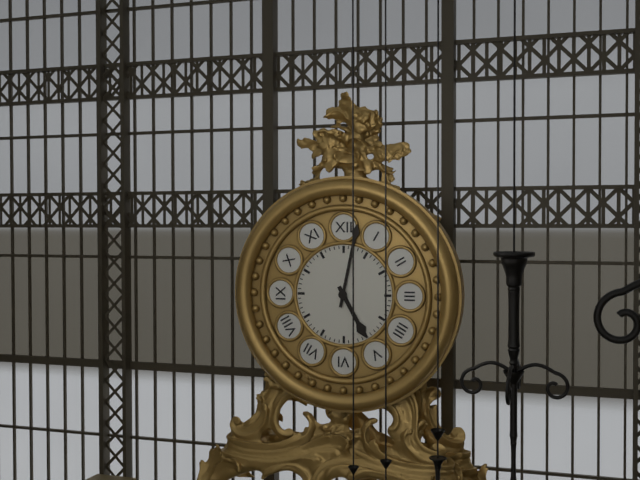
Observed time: 5:02
